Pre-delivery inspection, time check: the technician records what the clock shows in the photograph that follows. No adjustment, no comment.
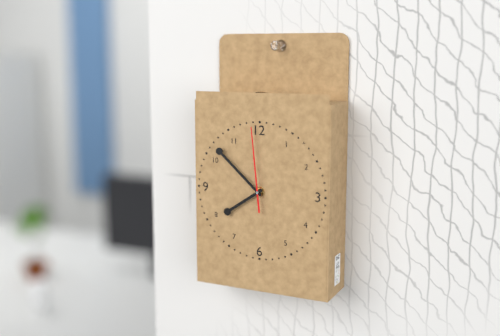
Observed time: 7:52:59
